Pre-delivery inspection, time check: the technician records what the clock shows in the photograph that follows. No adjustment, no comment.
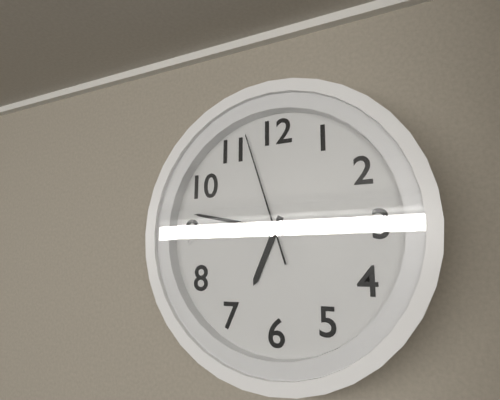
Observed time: 6:47:57
